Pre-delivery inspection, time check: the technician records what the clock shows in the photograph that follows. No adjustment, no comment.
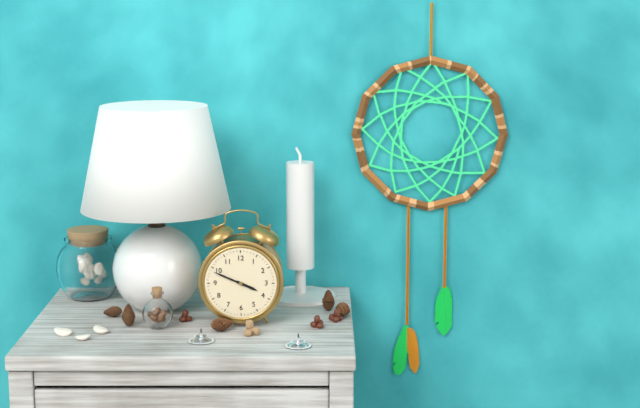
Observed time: 3:49
